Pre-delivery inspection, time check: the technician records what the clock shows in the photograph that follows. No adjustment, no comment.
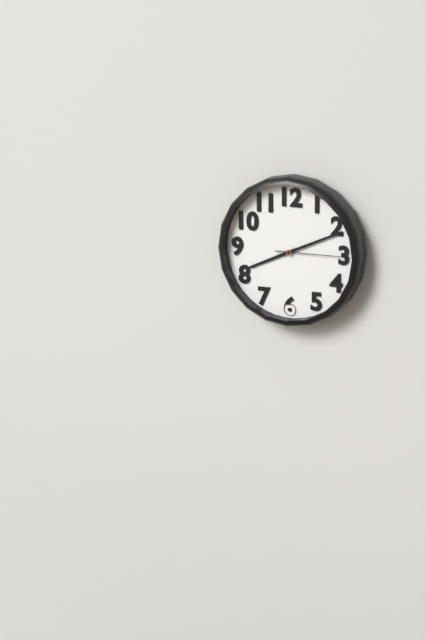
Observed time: 8:11:15
